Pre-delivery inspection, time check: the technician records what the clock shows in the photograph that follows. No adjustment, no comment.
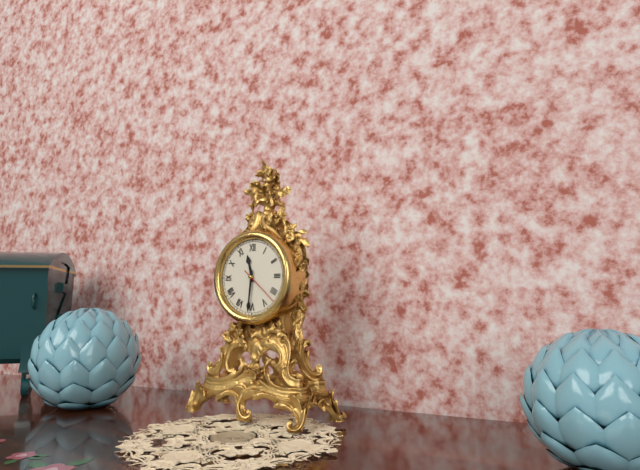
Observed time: 11:31
